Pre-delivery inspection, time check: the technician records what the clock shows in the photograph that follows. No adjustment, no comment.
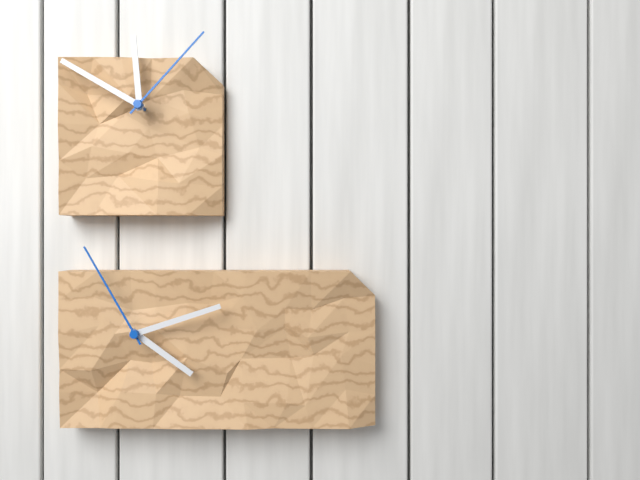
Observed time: 11:50:07
